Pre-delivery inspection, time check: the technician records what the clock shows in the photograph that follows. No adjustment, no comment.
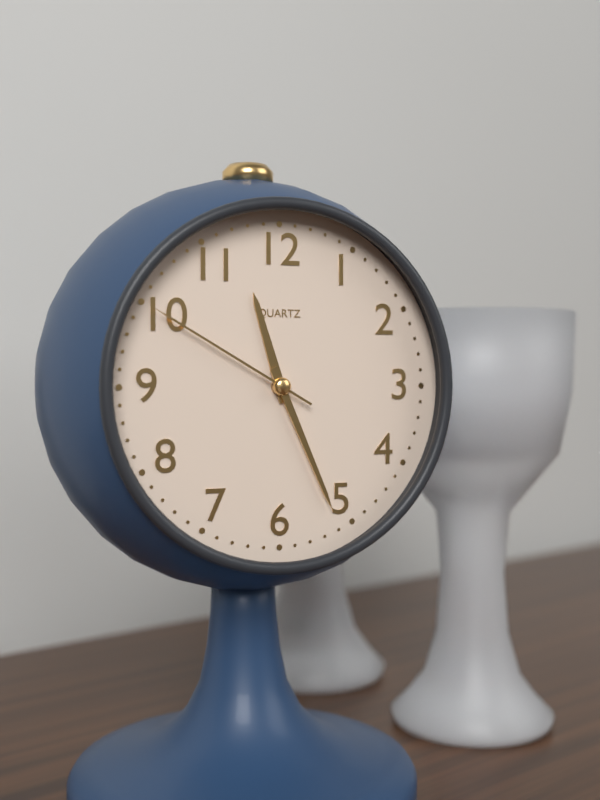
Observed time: 11:26:50
